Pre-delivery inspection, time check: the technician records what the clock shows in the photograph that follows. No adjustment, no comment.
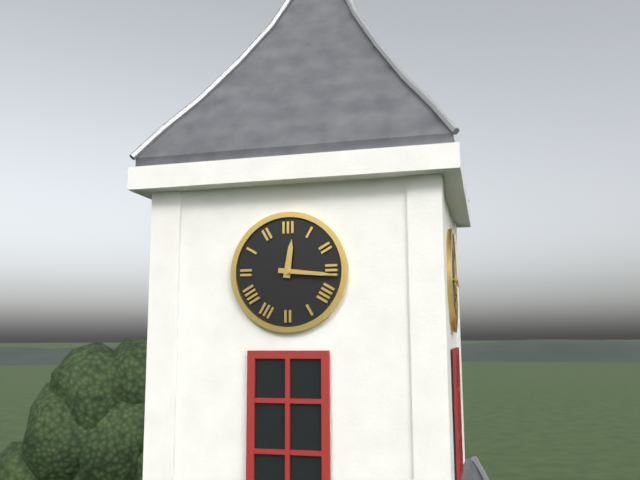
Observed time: 12:16
